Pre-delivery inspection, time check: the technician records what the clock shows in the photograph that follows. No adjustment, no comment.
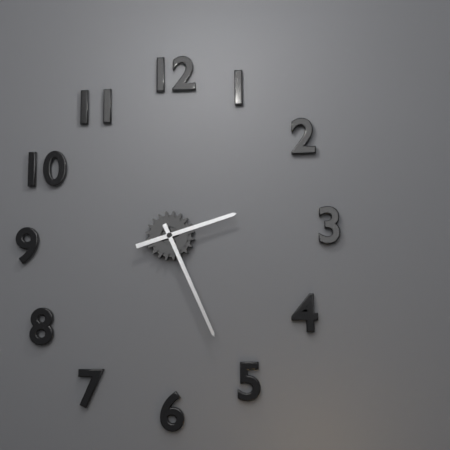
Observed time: 2:26
